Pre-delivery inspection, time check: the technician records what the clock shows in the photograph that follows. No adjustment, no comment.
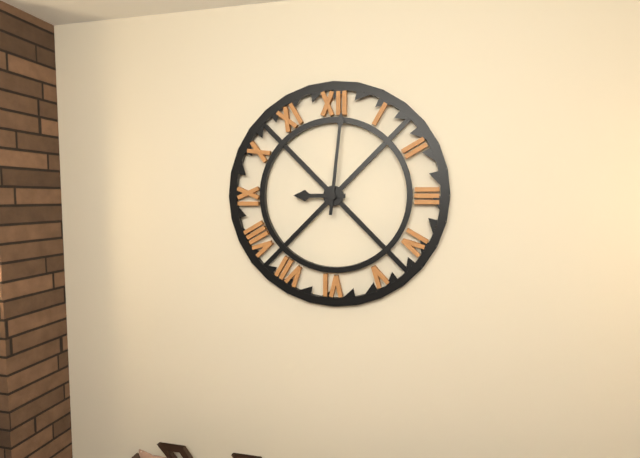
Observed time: 9:01
